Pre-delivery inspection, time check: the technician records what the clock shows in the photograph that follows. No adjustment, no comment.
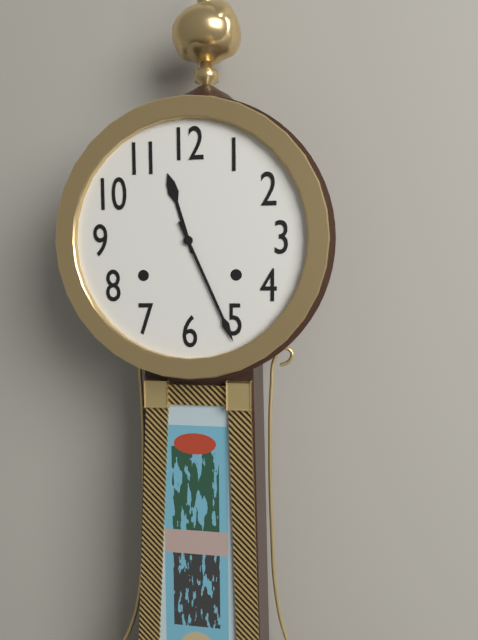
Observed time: 11:26
